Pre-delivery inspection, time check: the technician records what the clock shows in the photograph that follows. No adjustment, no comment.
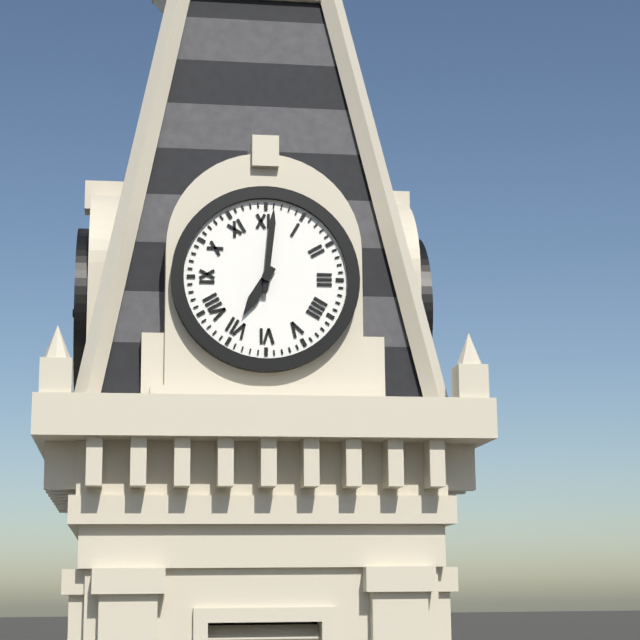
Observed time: 7:01
